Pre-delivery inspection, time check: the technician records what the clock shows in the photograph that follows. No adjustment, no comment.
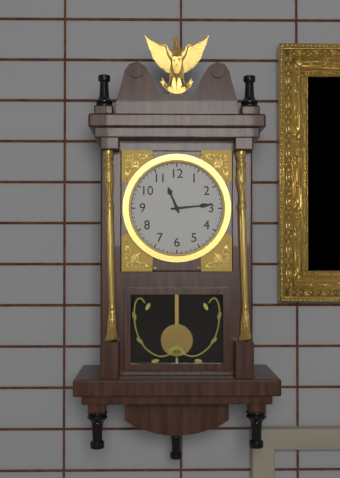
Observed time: 11:14
